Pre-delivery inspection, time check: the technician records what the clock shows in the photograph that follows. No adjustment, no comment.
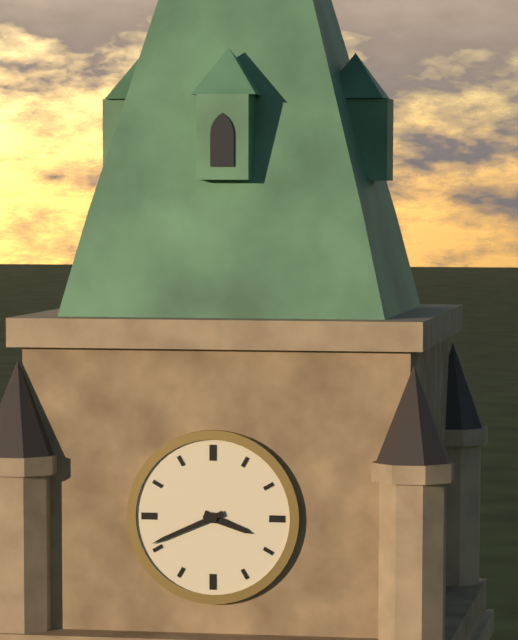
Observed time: 3:41
